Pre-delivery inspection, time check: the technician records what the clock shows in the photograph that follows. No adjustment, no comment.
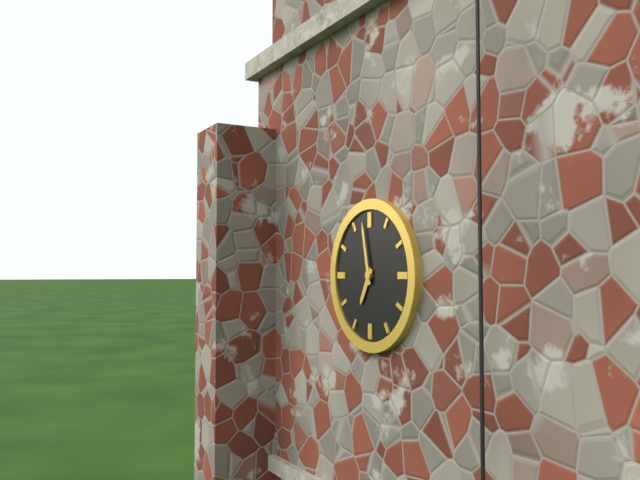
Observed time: 6:58
